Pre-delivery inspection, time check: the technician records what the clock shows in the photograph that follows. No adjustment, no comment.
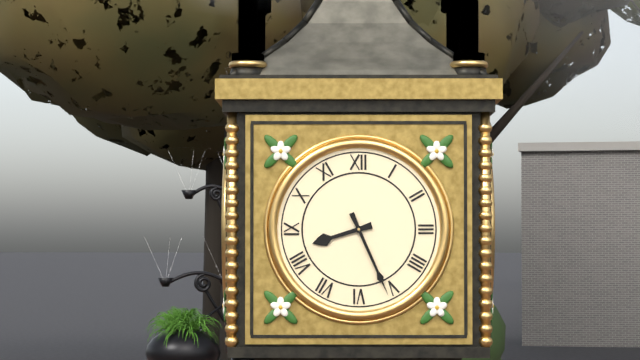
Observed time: 8:26
